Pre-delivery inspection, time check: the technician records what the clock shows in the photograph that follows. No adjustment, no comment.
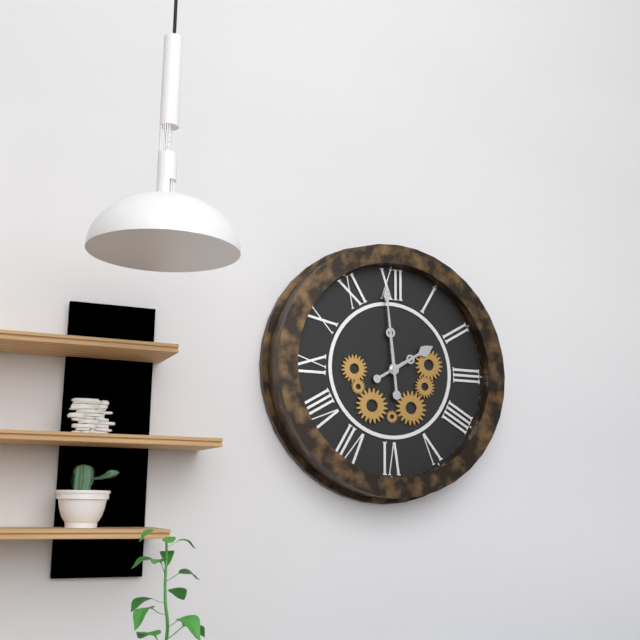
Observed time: 1:59
